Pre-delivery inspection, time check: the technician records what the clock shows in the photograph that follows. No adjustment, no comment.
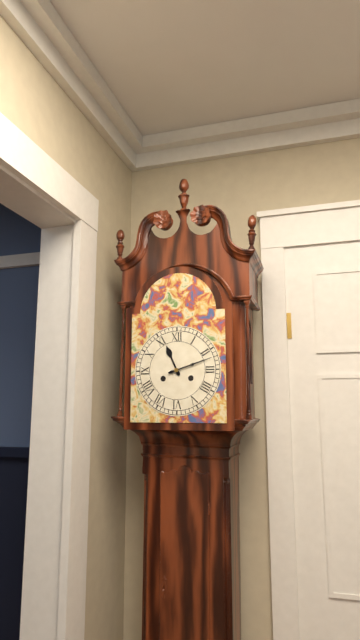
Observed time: 11:12
